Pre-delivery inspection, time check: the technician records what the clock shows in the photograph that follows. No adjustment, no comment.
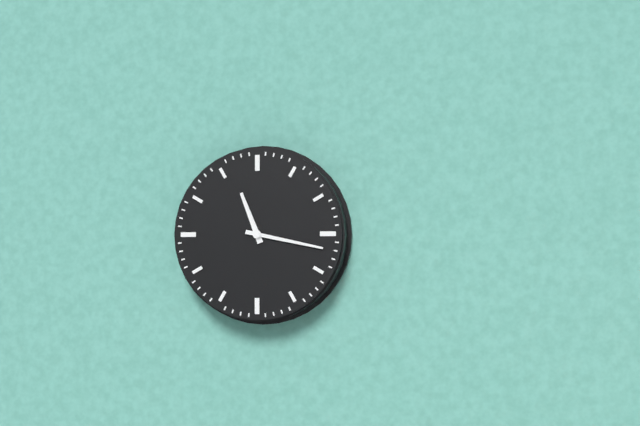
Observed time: 11:17
